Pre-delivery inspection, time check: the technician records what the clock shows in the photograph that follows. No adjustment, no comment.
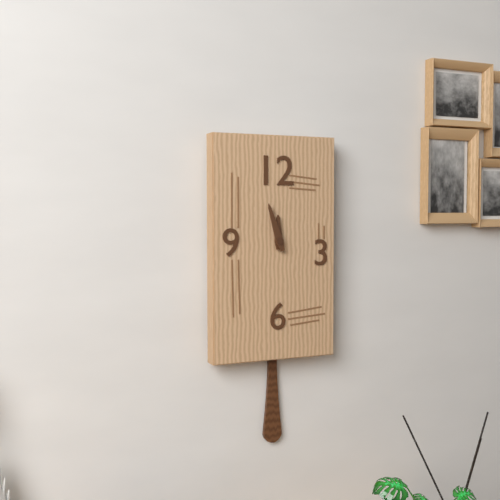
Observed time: 11:57
